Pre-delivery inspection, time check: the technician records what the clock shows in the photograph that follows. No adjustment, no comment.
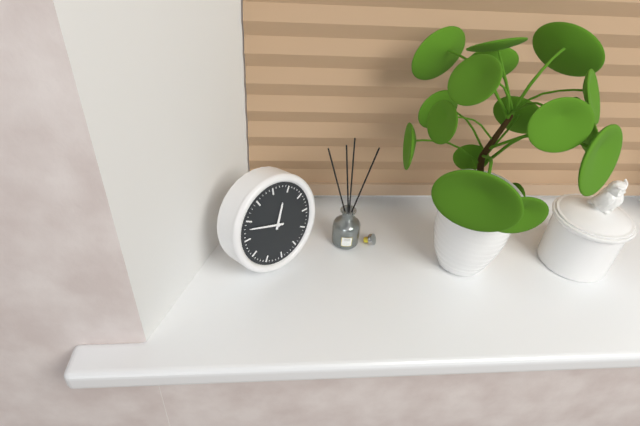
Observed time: 12:48
